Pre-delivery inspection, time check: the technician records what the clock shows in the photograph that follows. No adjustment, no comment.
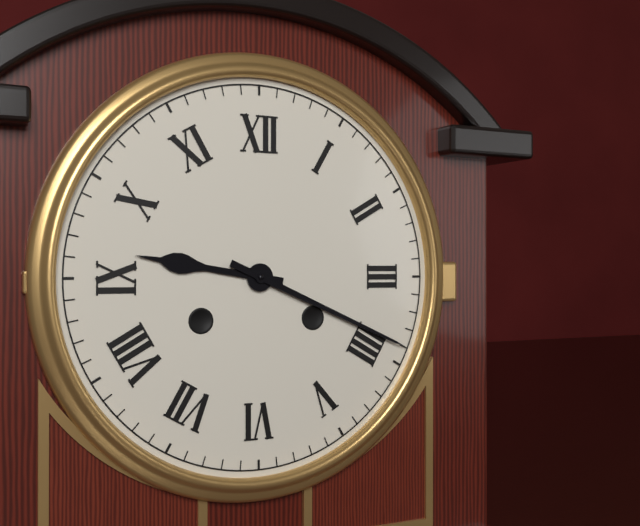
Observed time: 9:19
